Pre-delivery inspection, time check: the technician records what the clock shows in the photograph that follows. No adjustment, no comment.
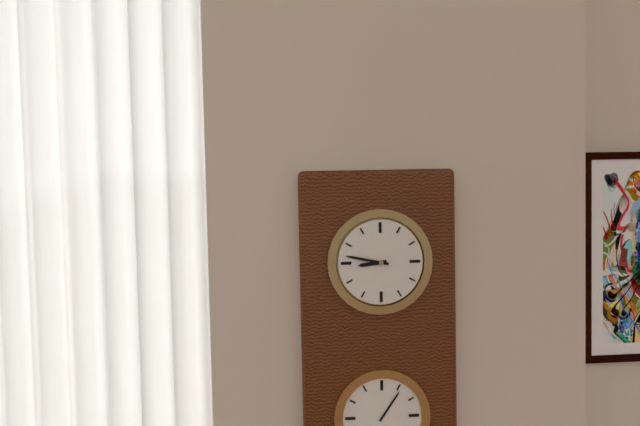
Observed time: 8:47
